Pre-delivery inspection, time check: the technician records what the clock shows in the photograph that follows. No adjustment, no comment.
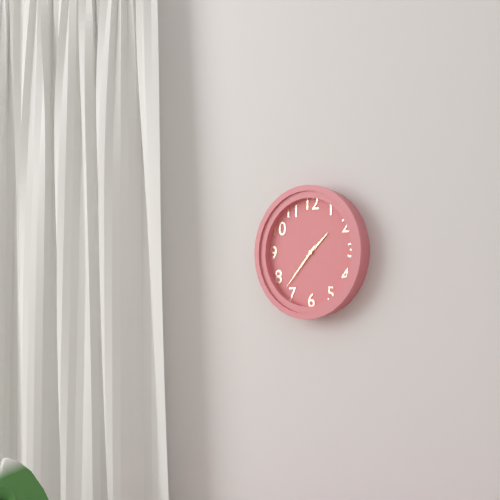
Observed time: 1:37
